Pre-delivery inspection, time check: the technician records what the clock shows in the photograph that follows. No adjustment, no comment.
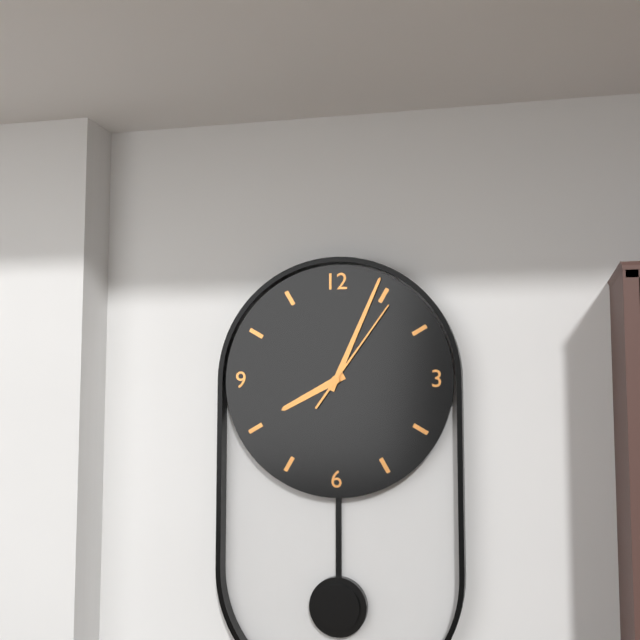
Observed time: 8:04:06
